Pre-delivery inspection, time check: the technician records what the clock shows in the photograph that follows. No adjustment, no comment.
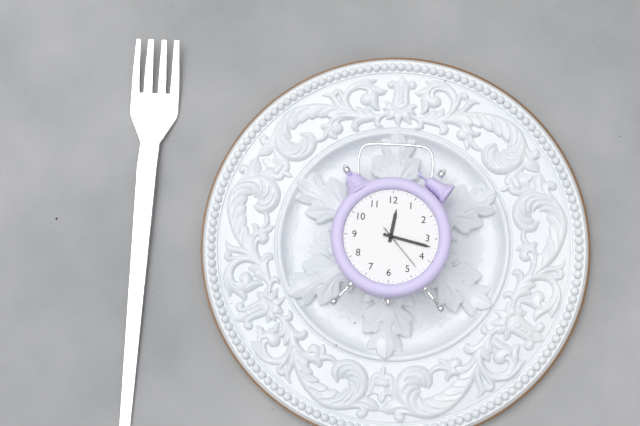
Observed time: 12:17
